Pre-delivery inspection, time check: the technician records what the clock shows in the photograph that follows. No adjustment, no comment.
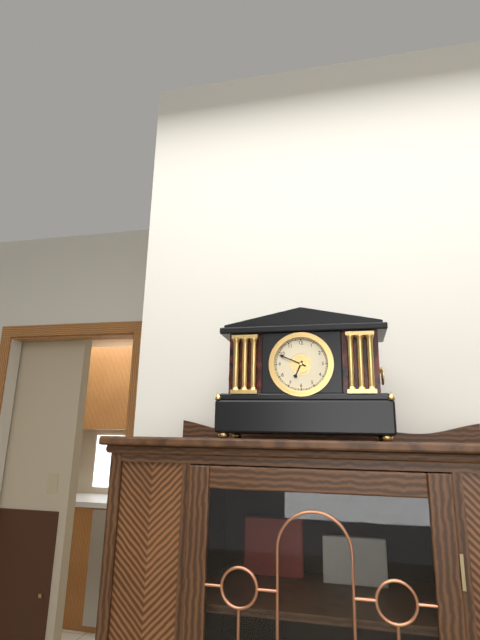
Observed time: 6:49
